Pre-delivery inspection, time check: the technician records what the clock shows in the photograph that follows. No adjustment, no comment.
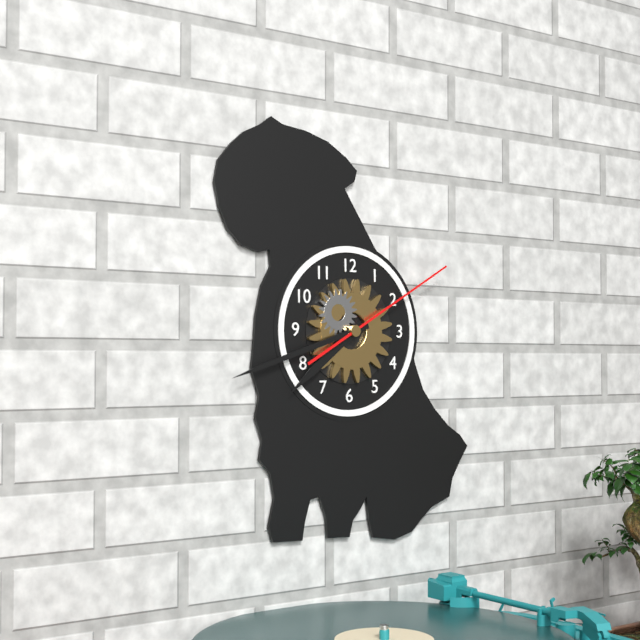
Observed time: 7:42:10
